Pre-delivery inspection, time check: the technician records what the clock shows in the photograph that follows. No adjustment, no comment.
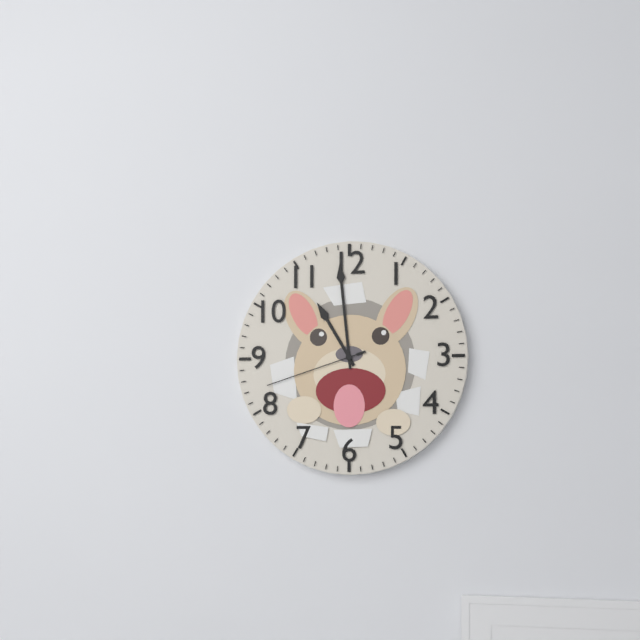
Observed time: 10:59:42
